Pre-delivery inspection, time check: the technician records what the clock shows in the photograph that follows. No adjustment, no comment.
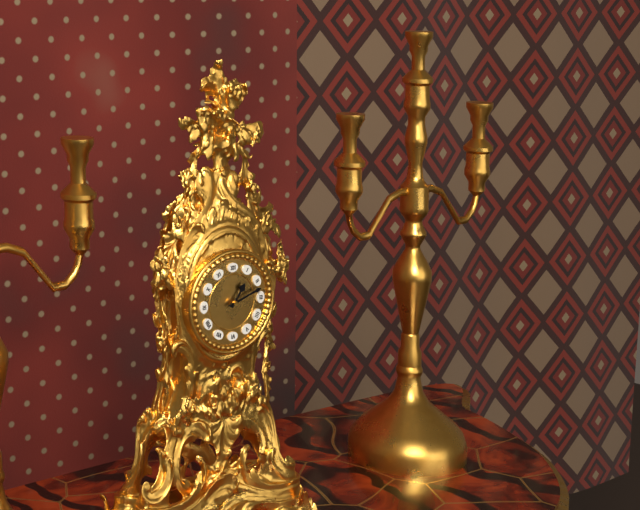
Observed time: 1:12
